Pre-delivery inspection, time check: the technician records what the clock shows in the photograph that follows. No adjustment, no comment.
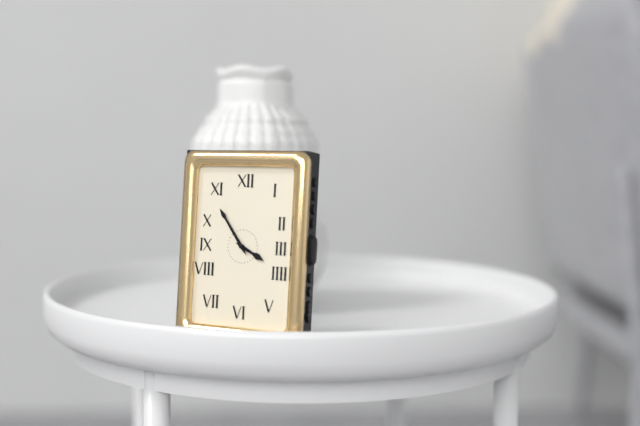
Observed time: 3:54
